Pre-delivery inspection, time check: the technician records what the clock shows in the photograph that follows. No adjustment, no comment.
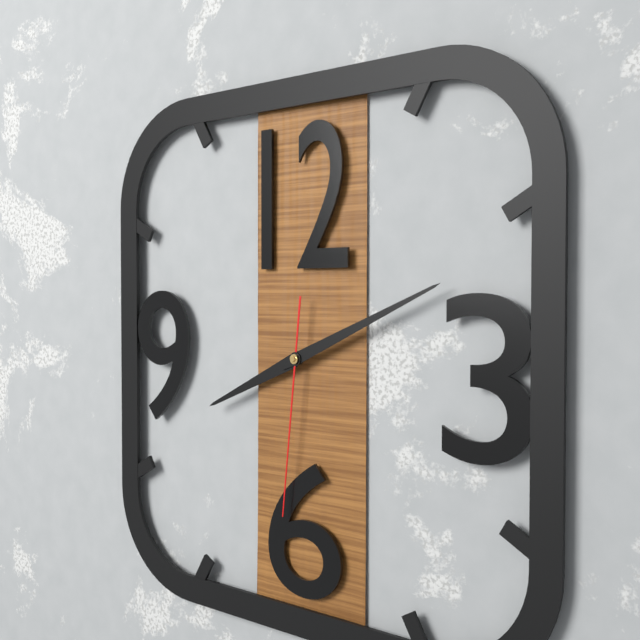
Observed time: 8:11:31
